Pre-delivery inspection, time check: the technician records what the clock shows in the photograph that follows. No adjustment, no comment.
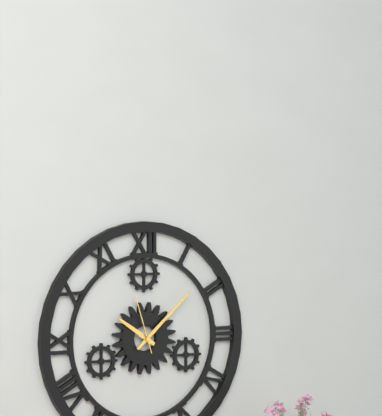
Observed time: 10:08:57
